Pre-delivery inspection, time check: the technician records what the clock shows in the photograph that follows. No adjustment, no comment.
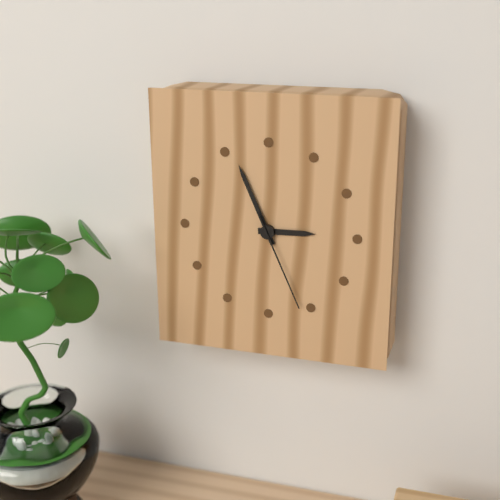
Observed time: 2:56:26
